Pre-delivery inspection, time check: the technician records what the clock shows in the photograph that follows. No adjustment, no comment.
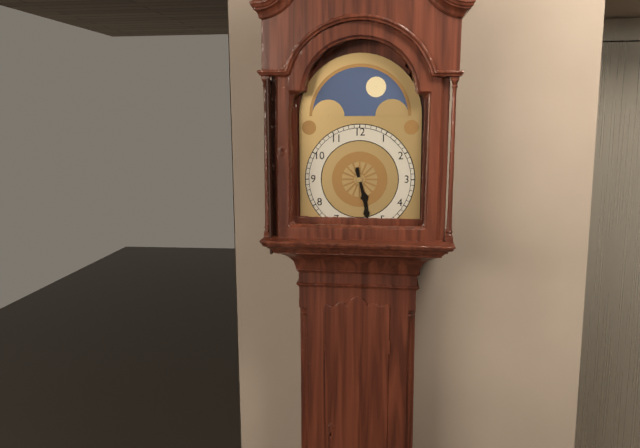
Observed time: 5:28
